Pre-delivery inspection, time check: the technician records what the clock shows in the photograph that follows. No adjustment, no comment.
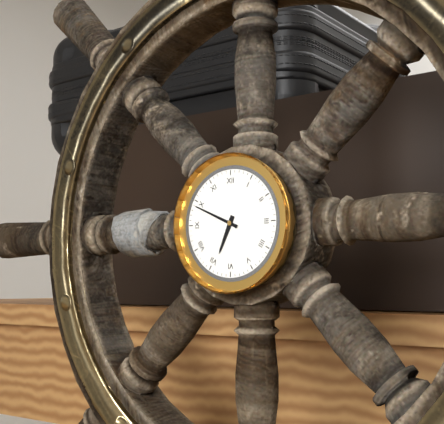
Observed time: 6:49
